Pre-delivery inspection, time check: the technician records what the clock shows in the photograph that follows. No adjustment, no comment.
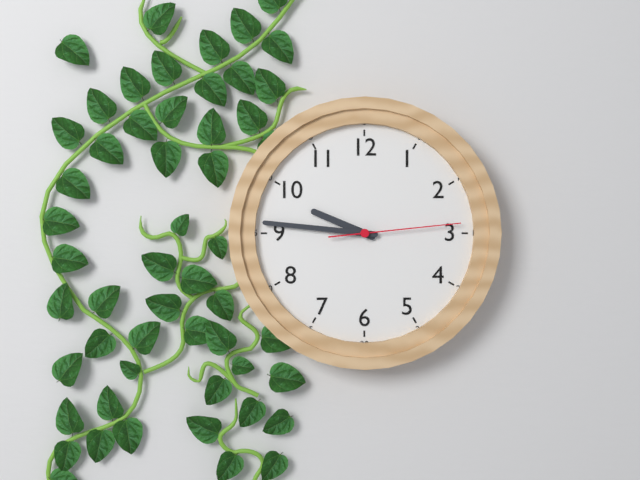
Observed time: 9:46:14
